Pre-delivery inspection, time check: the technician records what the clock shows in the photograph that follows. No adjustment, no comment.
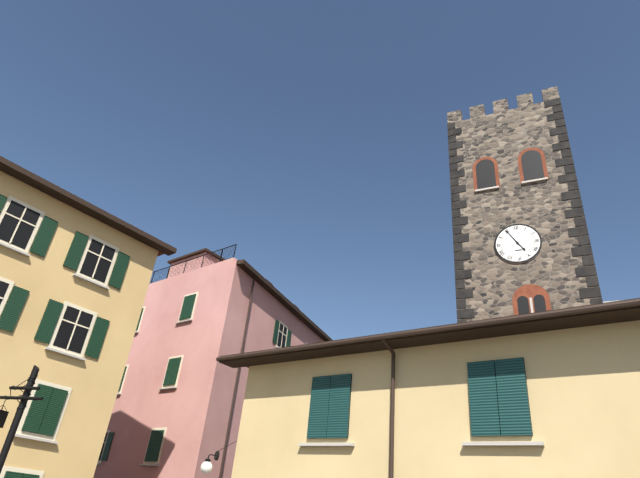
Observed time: 4:55
